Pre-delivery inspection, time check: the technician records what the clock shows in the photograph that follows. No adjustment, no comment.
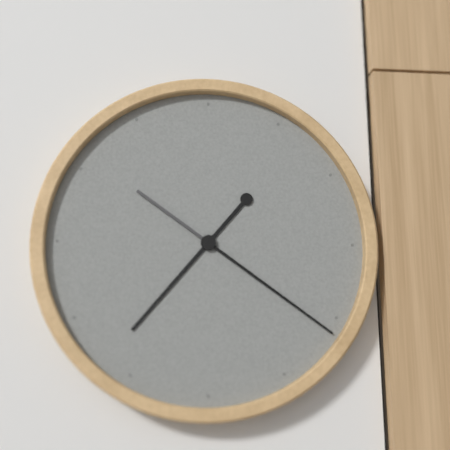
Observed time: 7:21
